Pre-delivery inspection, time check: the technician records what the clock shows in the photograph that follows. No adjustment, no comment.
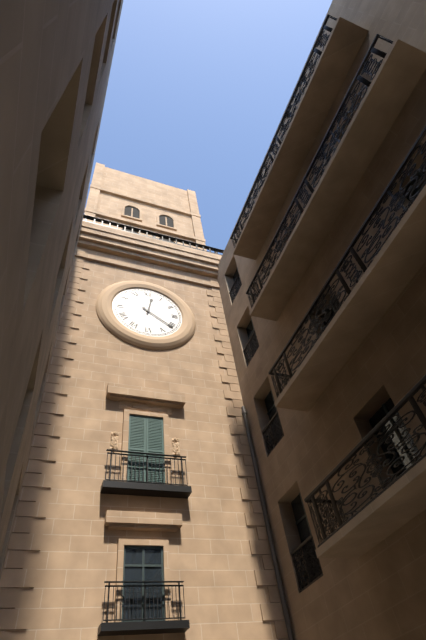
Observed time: 12:21
